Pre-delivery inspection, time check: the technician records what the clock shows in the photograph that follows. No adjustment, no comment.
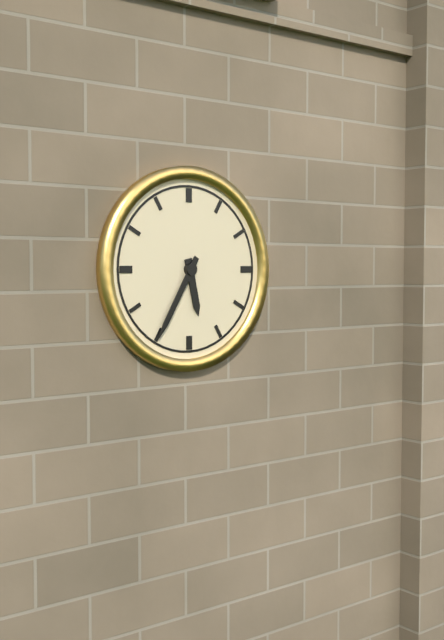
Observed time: 5:35
